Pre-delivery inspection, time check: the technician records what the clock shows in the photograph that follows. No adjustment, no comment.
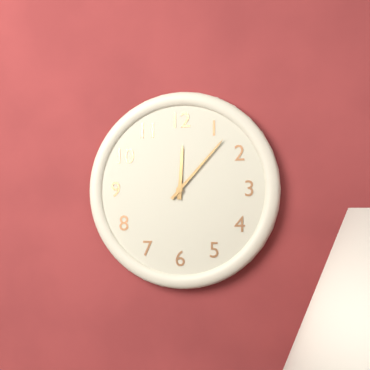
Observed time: 12:07
